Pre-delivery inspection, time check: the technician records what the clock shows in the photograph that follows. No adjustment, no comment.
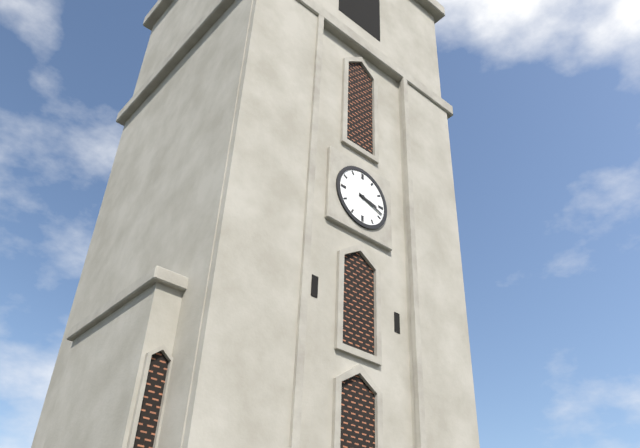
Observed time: 3:18
